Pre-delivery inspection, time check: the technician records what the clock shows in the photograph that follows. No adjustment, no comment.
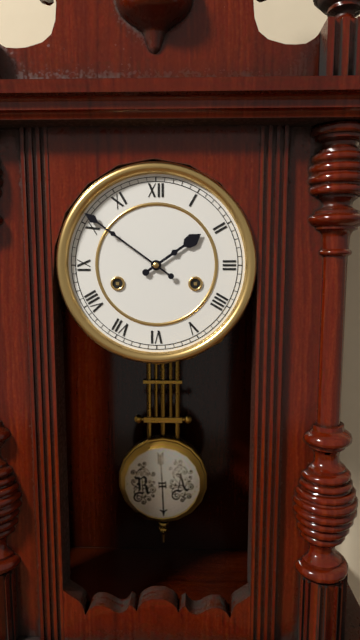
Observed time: 1:51
